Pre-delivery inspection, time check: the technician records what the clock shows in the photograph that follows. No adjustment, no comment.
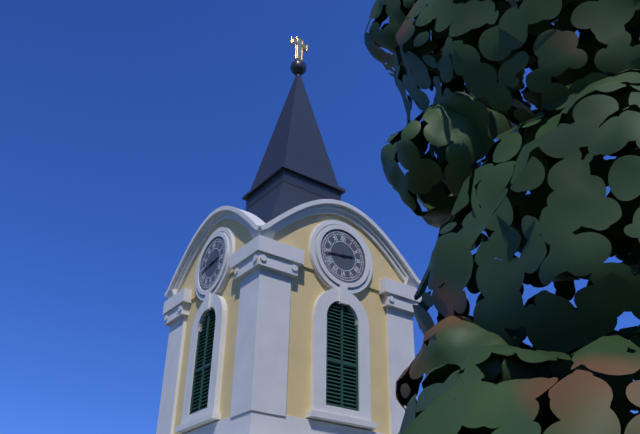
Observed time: 2:44
